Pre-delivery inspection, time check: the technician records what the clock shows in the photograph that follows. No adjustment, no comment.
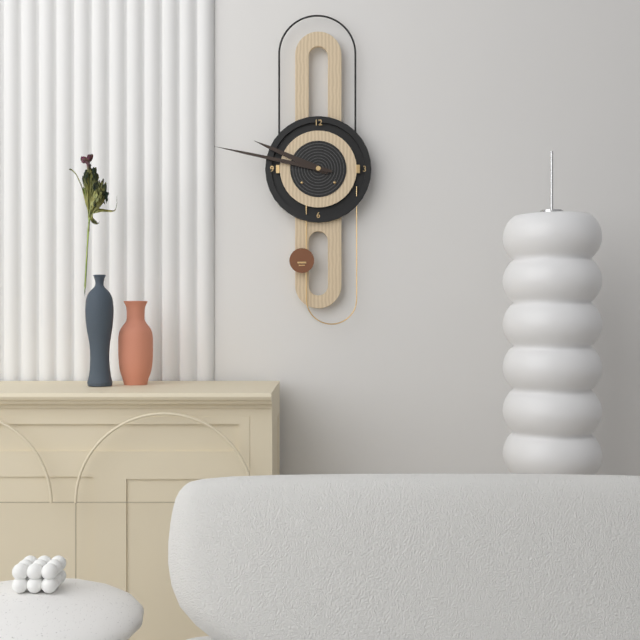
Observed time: 9:47
